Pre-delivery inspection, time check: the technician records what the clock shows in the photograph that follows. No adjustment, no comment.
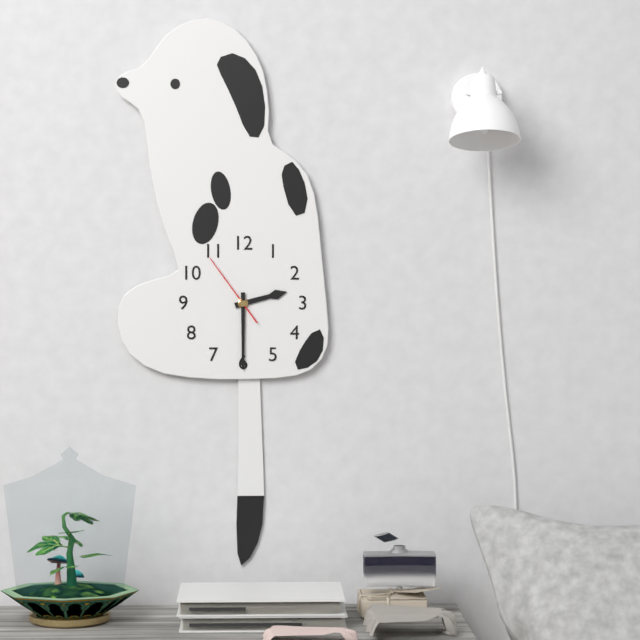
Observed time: 2:30:54
